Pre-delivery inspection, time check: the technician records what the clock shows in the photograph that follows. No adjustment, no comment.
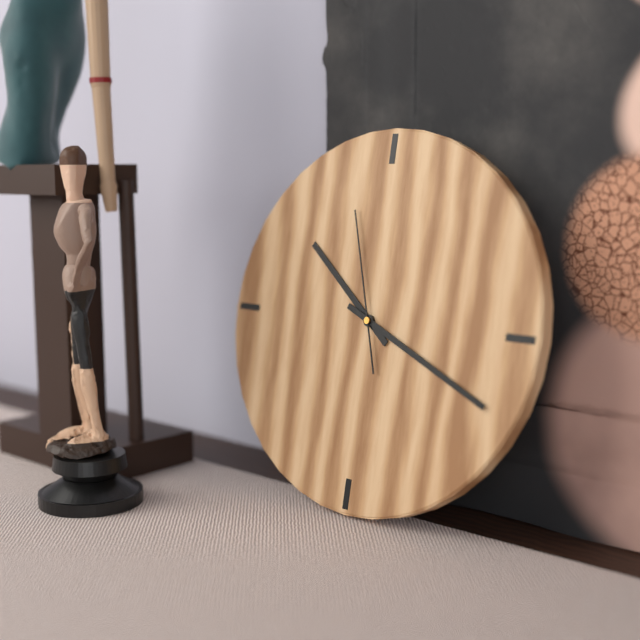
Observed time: 10:19:57
